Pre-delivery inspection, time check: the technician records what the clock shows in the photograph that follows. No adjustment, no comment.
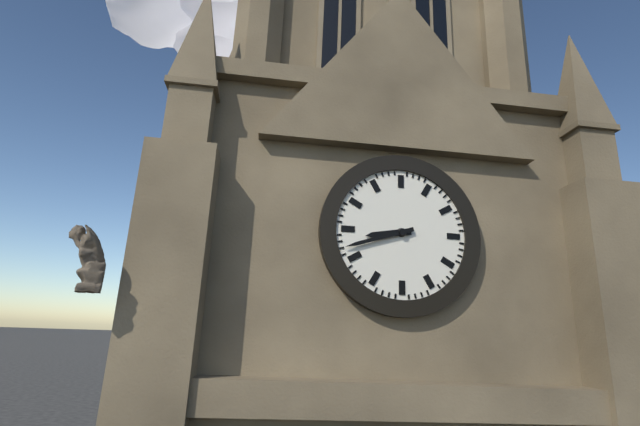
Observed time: 8:42
